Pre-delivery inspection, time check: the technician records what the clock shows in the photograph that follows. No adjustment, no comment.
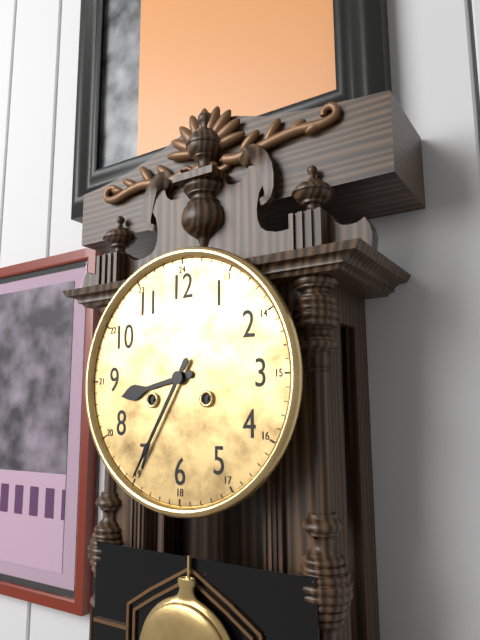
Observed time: 8:35
